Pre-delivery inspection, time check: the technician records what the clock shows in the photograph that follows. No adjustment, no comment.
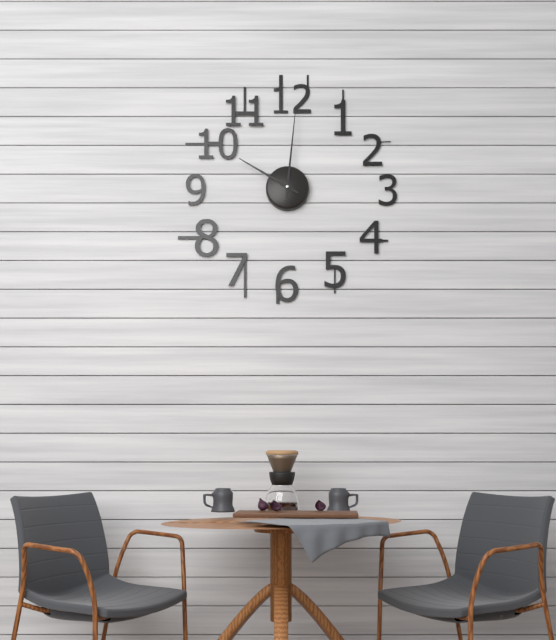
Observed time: 10:01
